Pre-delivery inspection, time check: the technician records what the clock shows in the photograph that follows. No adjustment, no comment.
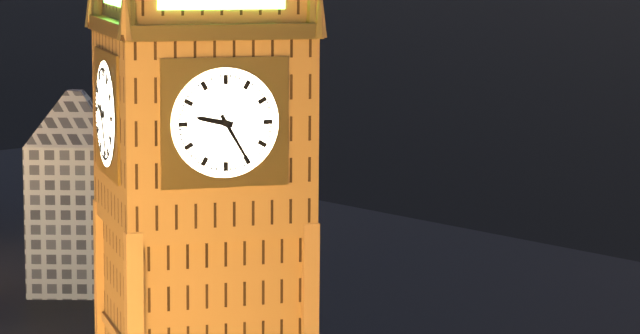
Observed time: 9:25
